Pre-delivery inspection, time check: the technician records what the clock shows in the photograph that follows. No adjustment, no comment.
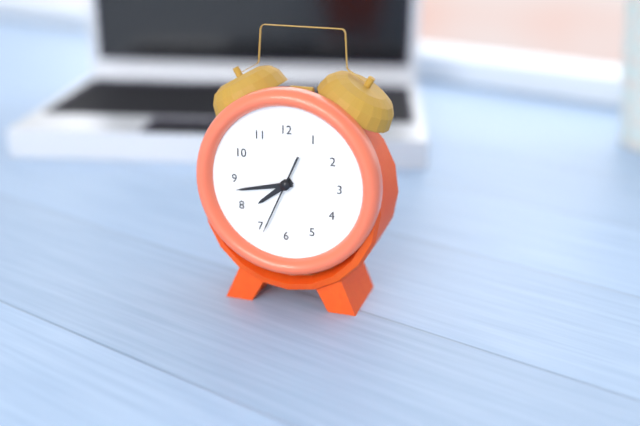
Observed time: 7:43:34
